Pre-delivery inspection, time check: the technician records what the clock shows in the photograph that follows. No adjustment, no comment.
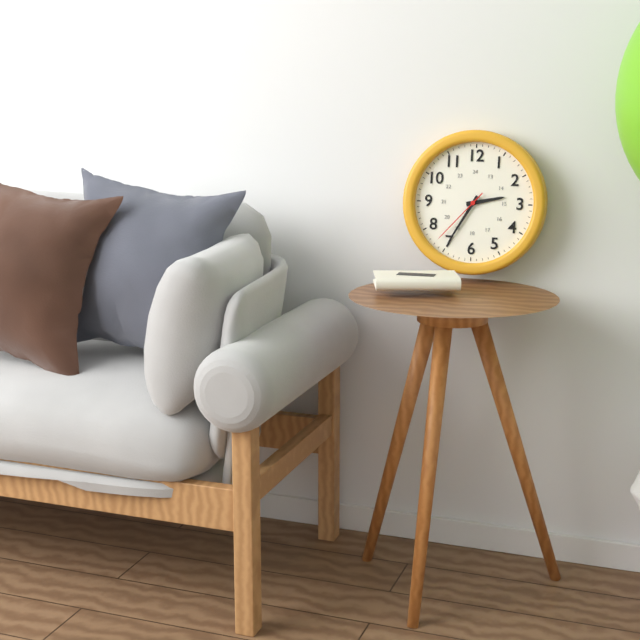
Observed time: 2:35:37
